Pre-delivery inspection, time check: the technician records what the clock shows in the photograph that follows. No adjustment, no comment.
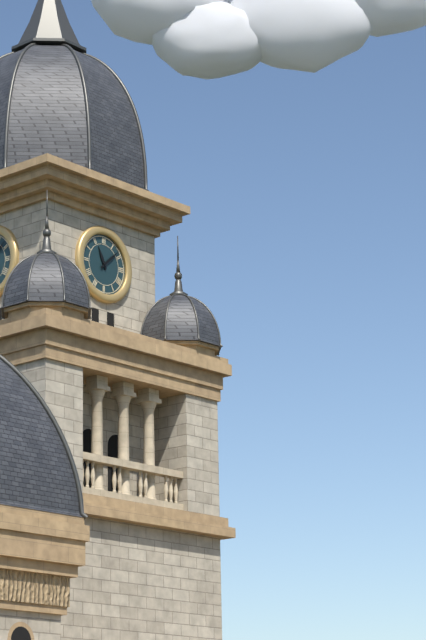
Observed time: 11:08
